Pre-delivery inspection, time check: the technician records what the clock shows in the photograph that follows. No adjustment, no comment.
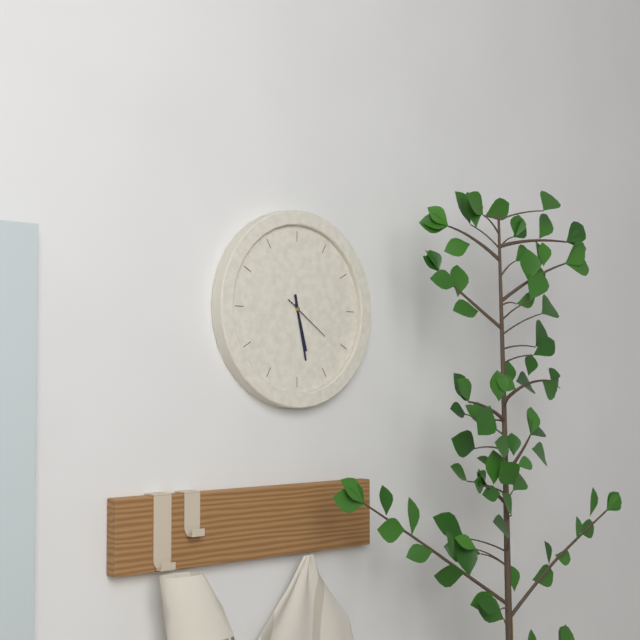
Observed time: 5:28
